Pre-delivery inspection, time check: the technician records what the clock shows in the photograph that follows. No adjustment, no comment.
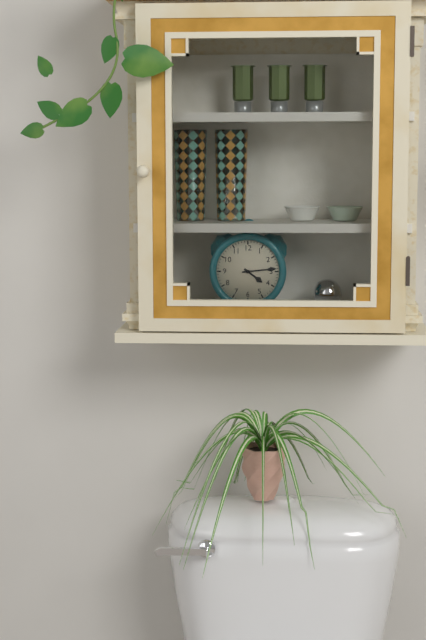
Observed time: 4:14
